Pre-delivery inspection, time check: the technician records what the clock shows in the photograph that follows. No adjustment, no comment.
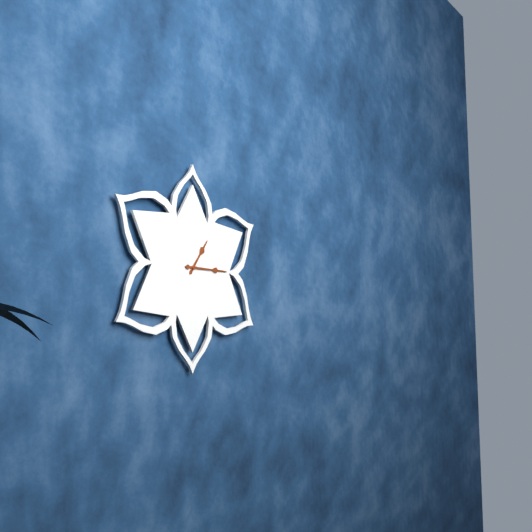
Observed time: 1:15
